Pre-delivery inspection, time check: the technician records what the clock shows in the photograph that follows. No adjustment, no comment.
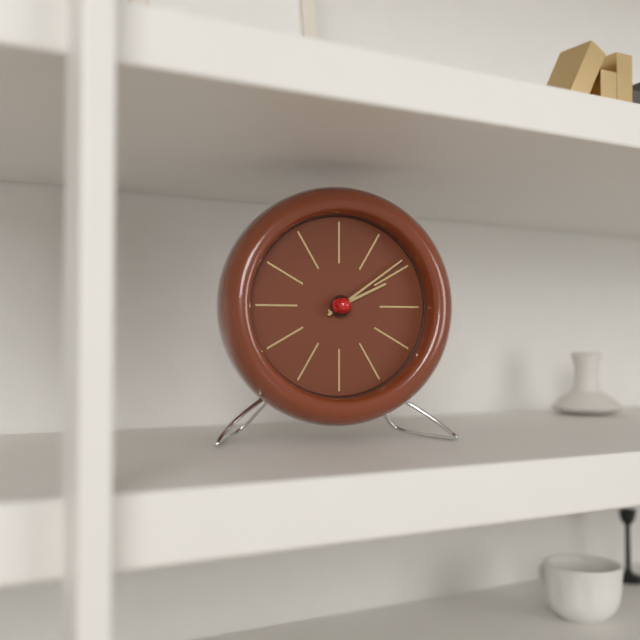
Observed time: 2:09
